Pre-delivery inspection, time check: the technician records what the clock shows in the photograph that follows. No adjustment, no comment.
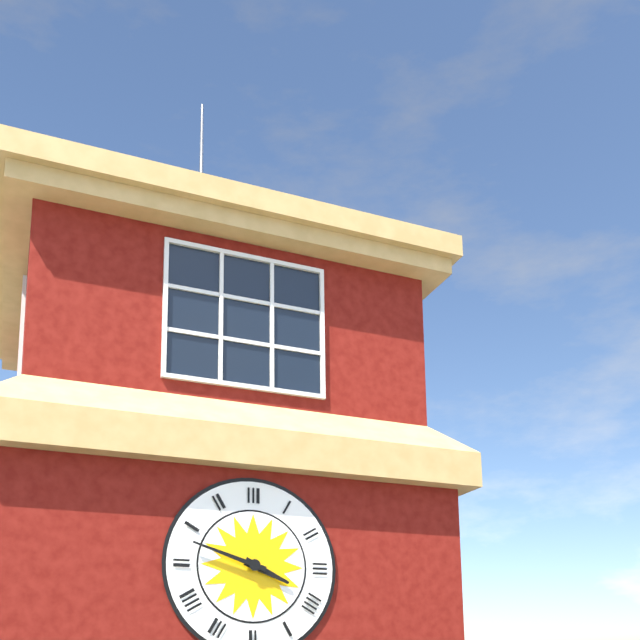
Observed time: 3:48
